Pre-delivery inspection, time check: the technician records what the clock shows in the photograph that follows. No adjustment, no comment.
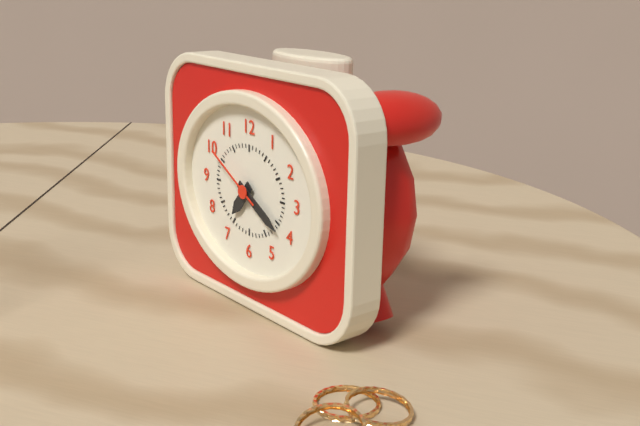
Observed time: 7:20:50
